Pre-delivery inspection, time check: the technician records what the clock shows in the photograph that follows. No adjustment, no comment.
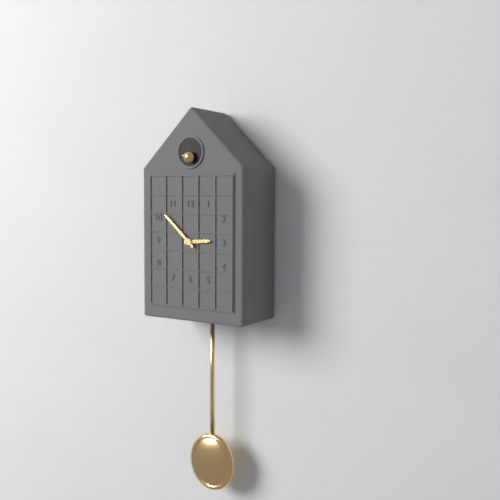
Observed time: 2:52
